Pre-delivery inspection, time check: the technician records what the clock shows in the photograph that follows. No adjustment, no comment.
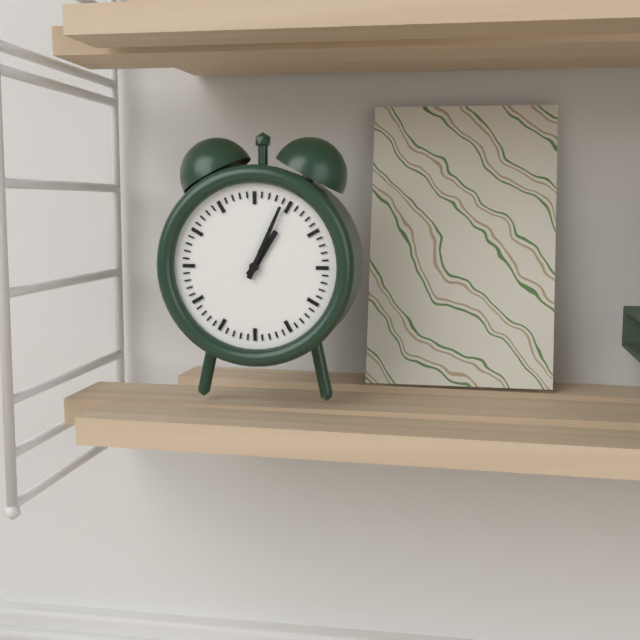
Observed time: 1:04
